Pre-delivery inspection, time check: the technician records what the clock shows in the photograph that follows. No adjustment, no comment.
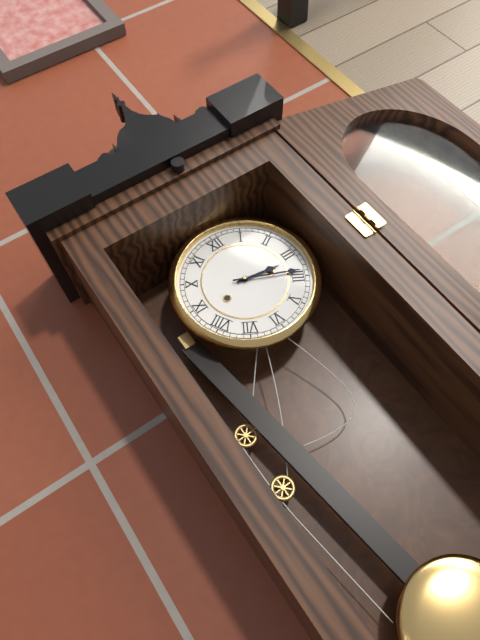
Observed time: 3:19
